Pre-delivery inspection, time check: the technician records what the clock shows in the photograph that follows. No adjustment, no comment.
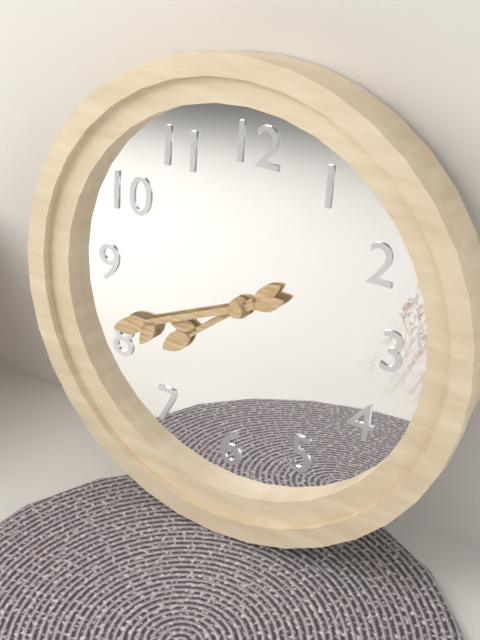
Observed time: 7:41
